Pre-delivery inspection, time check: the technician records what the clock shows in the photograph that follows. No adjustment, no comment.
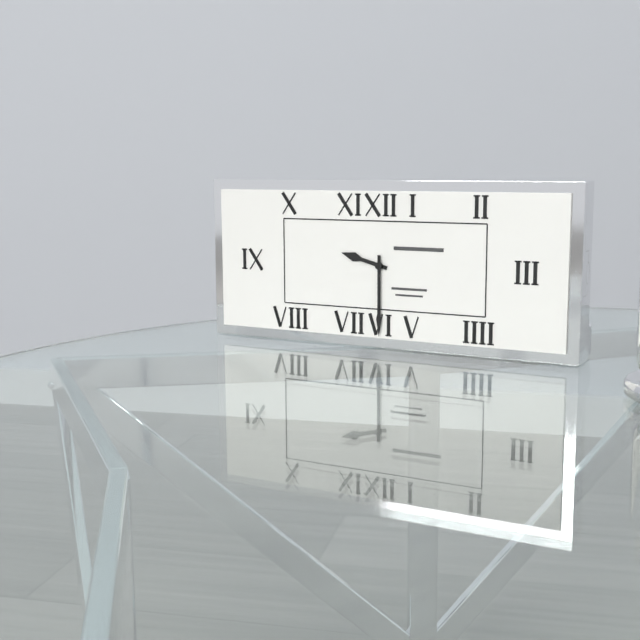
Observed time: 9:30
